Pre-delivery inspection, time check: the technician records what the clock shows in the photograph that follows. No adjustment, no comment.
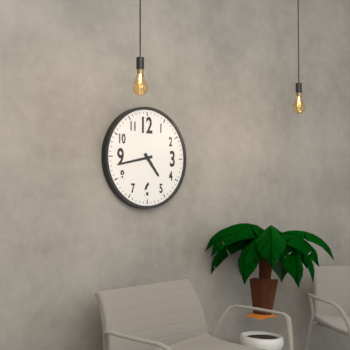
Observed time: 4:43
